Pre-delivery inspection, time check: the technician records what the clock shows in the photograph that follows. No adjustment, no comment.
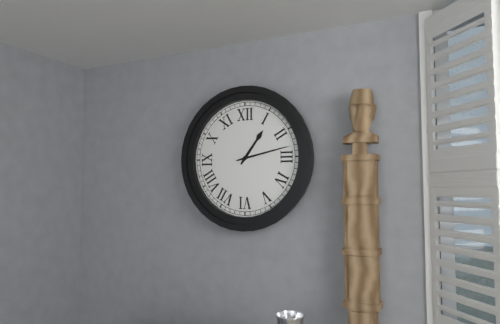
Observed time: 1:13
